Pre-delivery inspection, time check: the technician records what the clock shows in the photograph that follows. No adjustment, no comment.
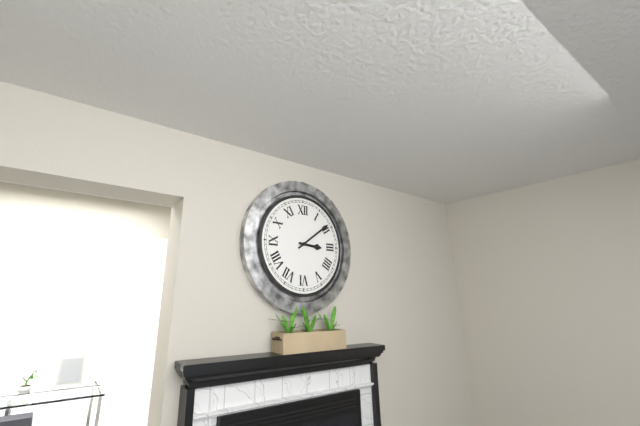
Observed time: 3:09
